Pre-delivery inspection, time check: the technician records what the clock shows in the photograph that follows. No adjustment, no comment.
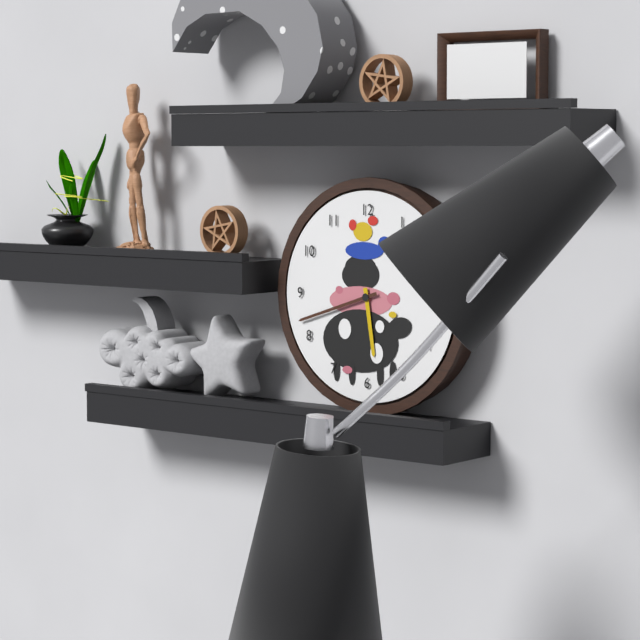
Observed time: 5:42
